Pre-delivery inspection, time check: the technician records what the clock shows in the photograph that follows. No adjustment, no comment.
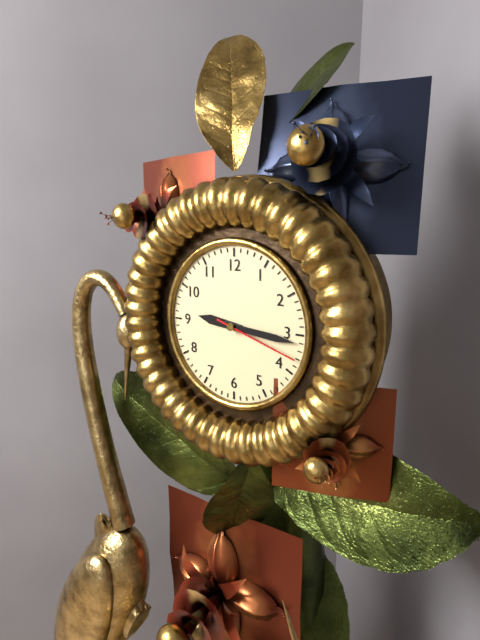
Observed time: 9:16:18
